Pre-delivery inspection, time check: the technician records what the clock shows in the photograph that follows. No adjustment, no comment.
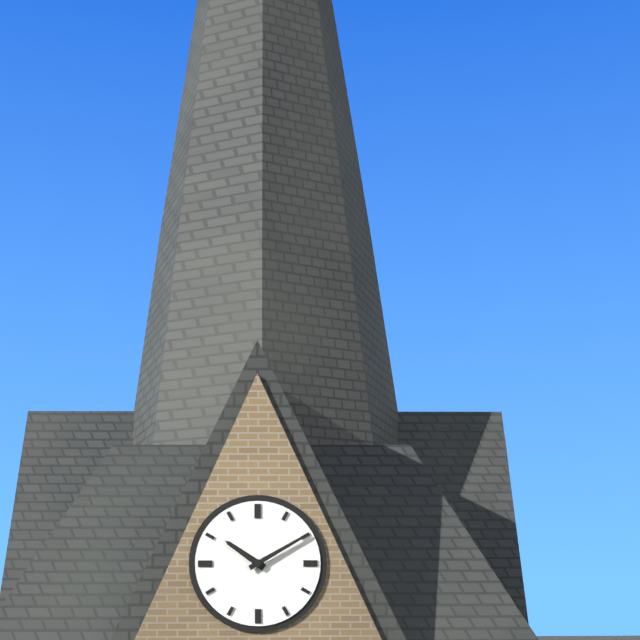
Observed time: 10:10
